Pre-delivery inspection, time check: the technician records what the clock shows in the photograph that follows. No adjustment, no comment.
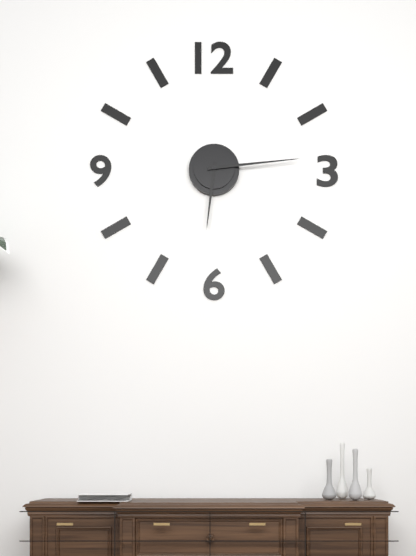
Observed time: 6:14
